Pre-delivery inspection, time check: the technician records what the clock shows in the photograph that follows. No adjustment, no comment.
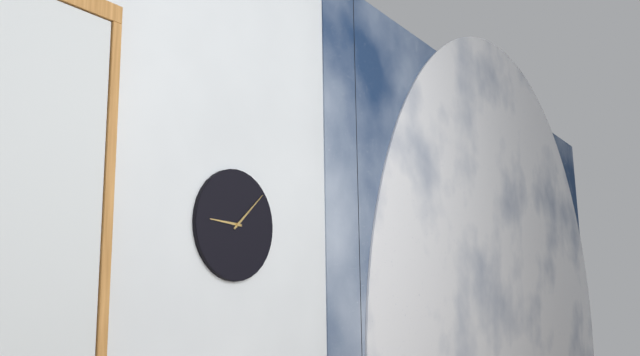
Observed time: 9:08
